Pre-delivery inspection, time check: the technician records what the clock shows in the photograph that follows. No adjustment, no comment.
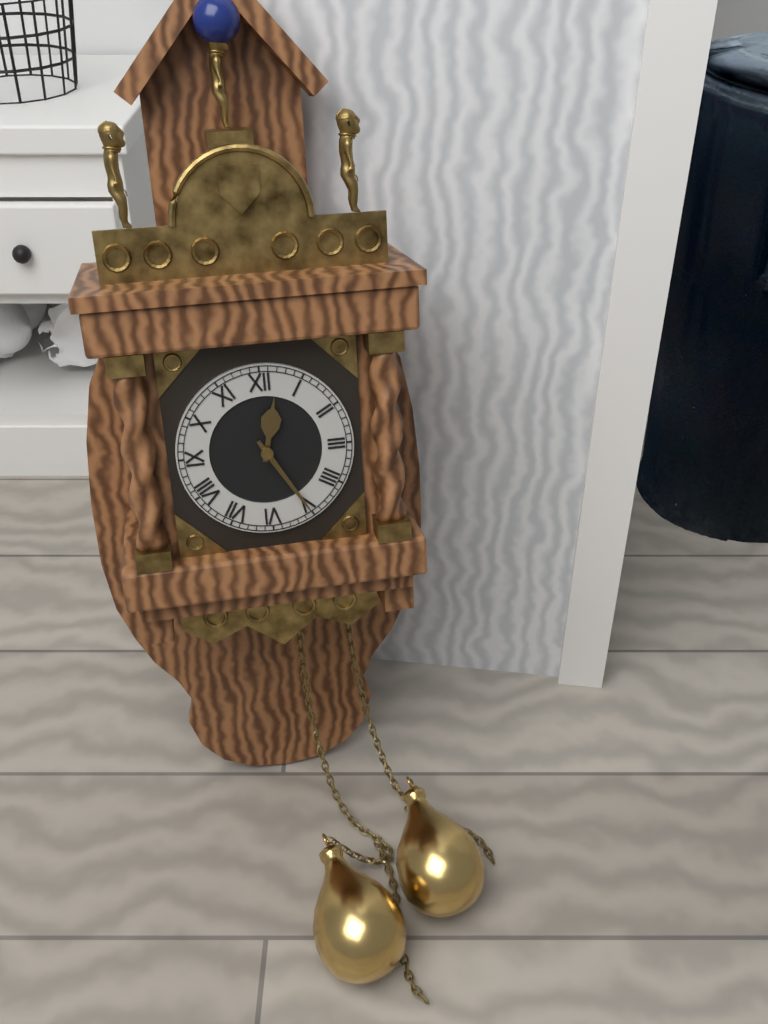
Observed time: 12:25
